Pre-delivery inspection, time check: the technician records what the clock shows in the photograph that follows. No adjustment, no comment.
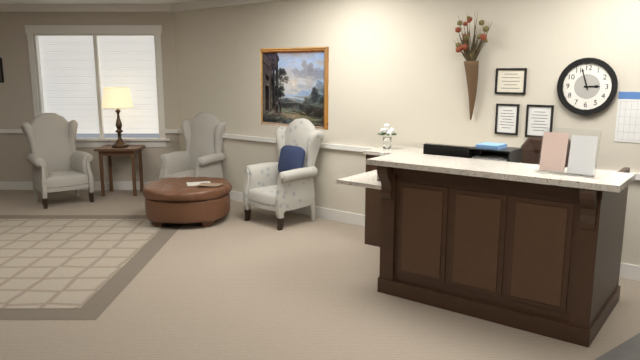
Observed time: 2:57
